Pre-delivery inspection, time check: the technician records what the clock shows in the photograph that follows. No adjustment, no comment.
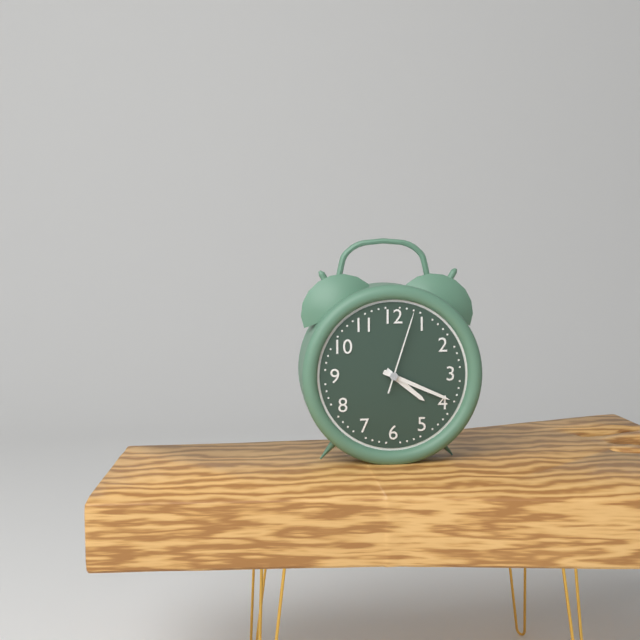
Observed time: 4:19:03
